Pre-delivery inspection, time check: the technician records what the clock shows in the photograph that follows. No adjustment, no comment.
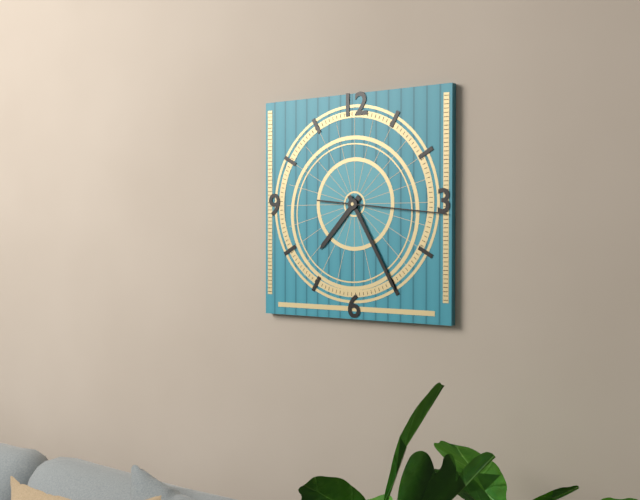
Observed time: 7:25:16
